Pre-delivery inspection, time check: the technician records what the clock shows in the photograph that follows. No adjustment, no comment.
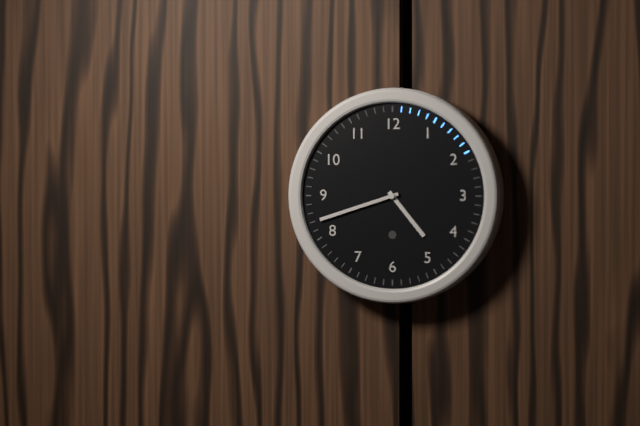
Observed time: 4:42
